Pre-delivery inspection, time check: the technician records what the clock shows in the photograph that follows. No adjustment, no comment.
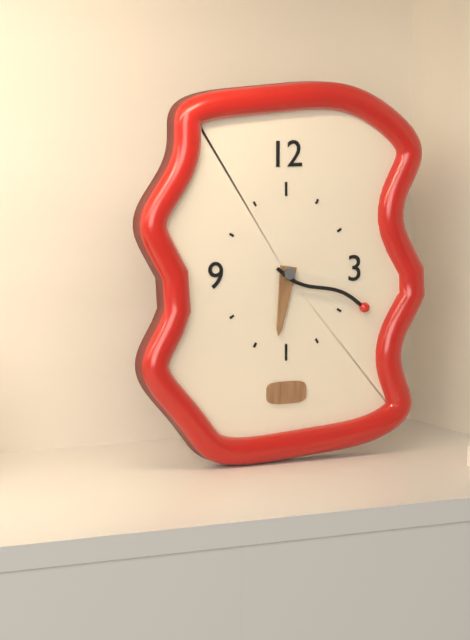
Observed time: 6:19
